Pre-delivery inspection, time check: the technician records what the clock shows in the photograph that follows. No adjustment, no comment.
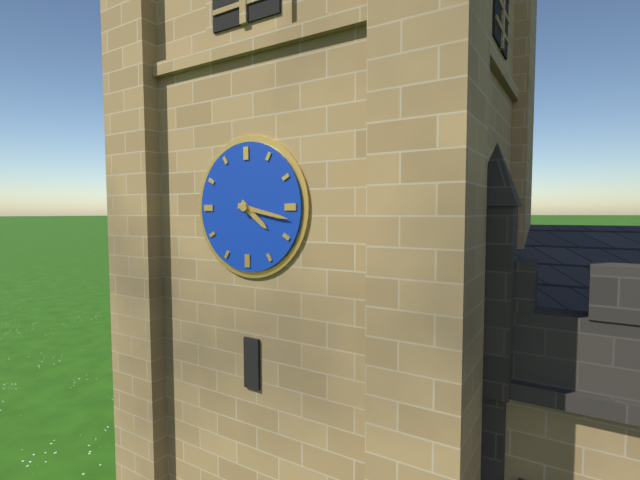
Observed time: 4:17
